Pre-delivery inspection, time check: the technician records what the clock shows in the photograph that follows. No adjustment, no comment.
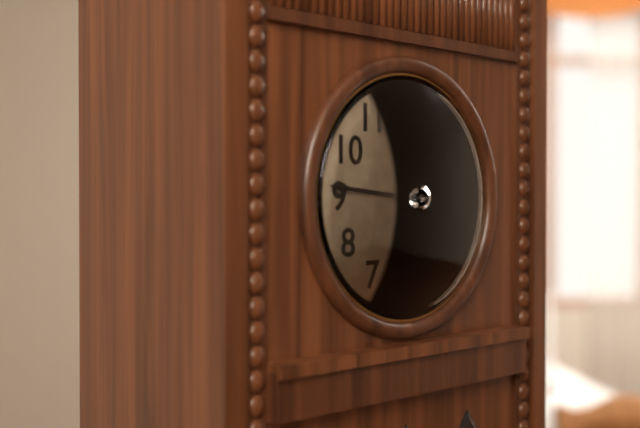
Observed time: 2:46
